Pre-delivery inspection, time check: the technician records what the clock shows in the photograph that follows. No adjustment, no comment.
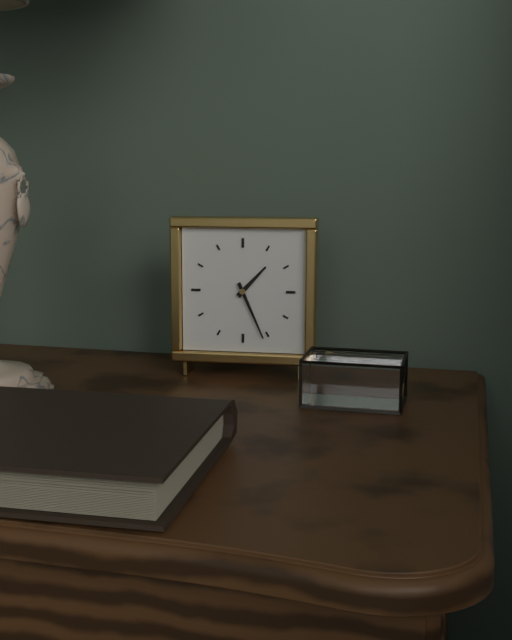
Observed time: 1:26
